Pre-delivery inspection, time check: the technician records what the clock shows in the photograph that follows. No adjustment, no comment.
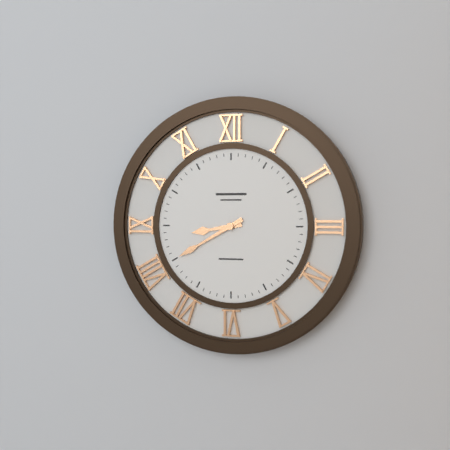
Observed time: 8:40
